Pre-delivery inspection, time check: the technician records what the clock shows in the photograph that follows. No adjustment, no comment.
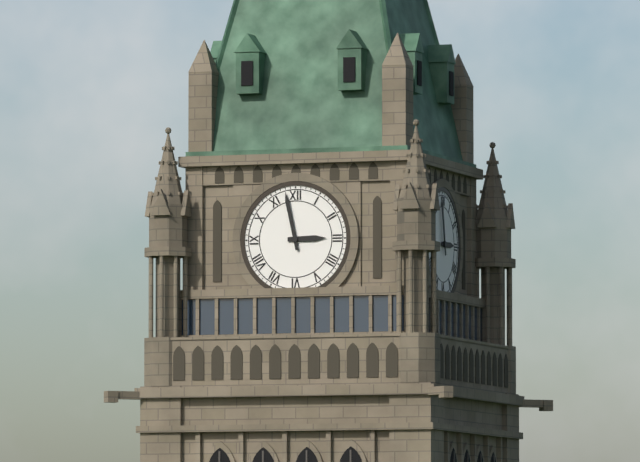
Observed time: 2:58
